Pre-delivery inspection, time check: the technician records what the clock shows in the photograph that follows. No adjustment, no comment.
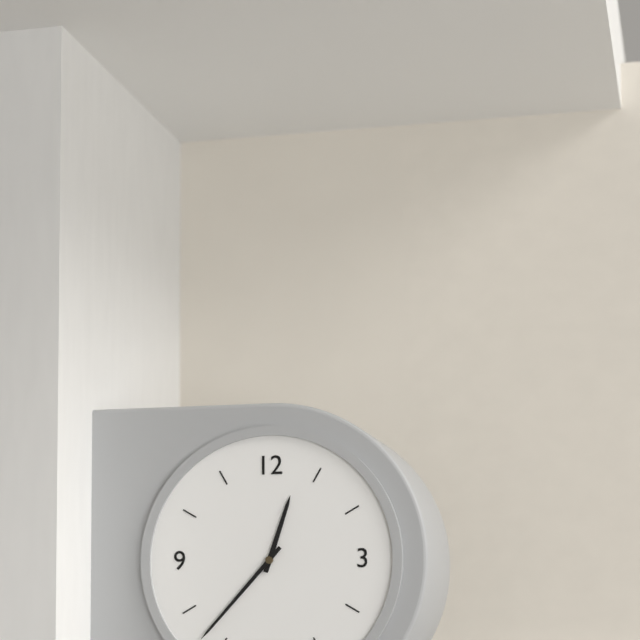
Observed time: 12:37
